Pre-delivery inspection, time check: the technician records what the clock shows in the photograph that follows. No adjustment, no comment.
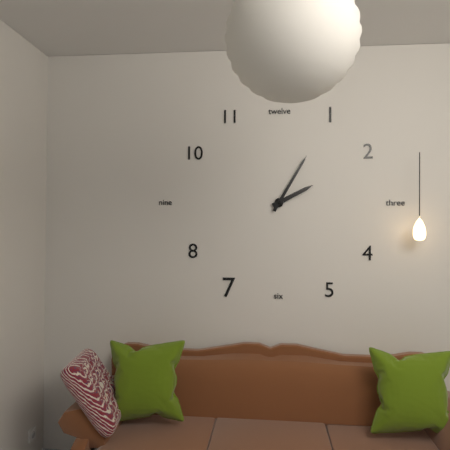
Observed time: 2:05
